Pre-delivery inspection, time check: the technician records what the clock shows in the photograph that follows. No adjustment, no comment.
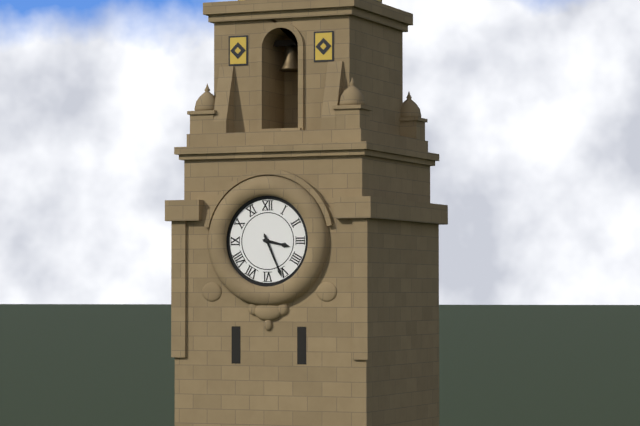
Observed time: 3:26
